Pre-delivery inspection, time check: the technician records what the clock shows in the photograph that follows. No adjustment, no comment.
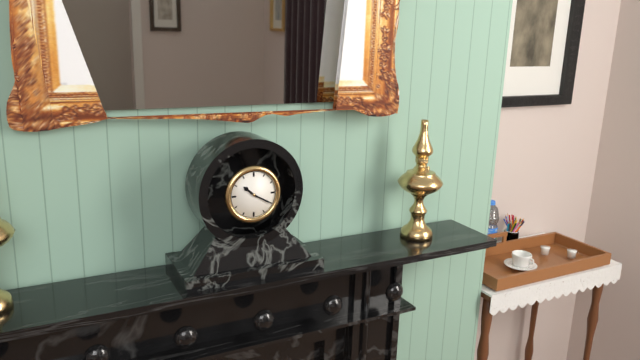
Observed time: 10:20
